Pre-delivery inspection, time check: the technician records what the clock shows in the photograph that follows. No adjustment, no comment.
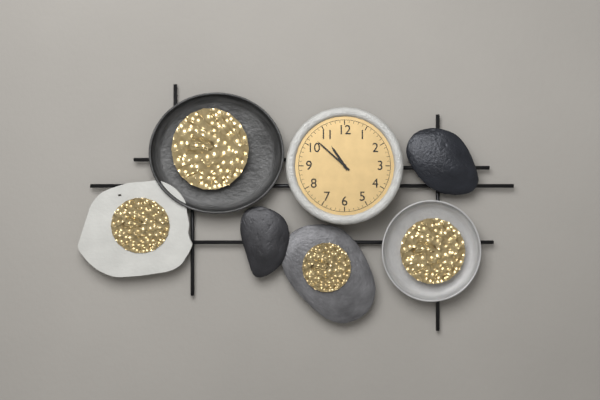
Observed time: 10:52
